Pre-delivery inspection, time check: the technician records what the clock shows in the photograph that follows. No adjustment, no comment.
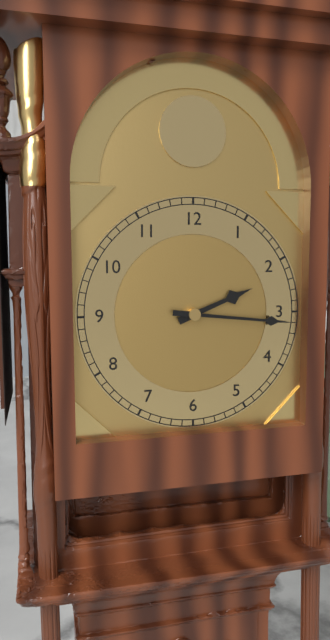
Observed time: 2:16
